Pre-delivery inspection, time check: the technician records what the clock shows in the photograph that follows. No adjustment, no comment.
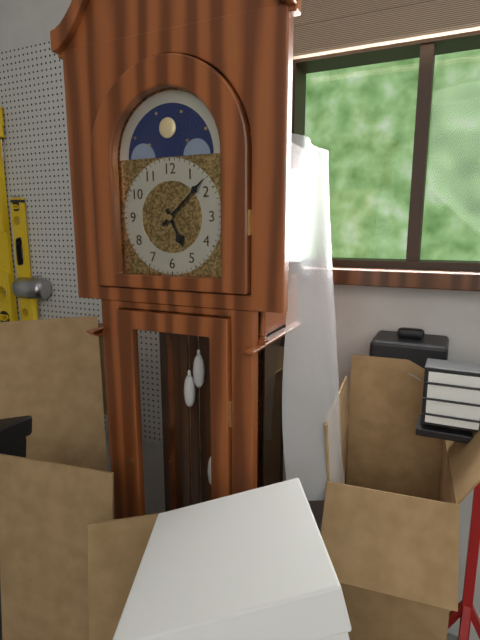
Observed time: 5:08
